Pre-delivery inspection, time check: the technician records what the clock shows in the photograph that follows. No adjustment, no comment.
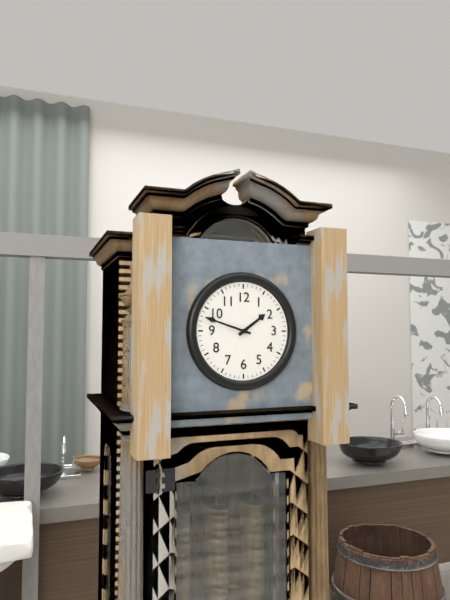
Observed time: 1:48
